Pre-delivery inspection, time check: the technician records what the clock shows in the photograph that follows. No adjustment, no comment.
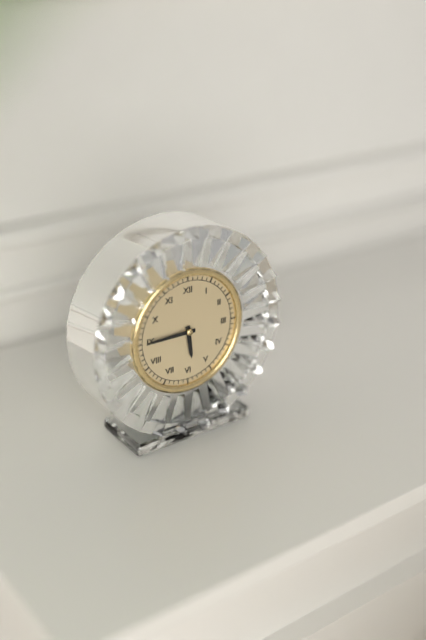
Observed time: 5:45
